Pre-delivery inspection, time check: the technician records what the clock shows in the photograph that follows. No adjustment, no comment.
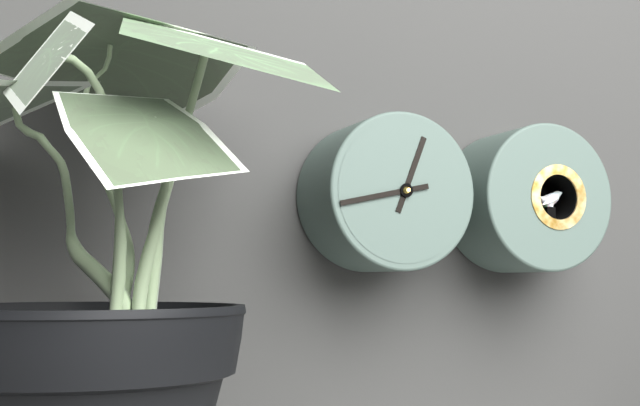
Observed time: 12:43
